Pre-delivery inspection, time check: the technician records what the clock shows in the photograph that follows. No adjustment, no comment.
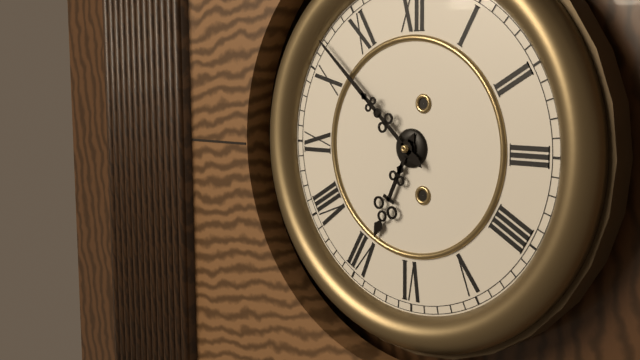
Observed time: 6:52
